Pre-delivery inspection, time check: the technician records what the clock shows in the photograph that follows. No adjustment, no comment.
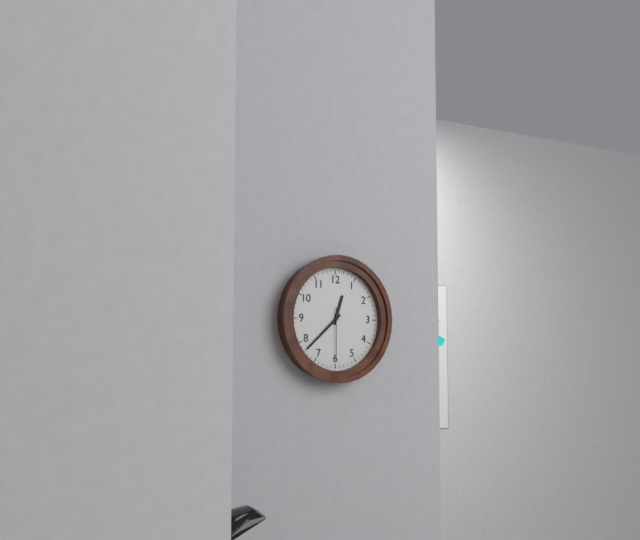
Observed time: 12:38:30
